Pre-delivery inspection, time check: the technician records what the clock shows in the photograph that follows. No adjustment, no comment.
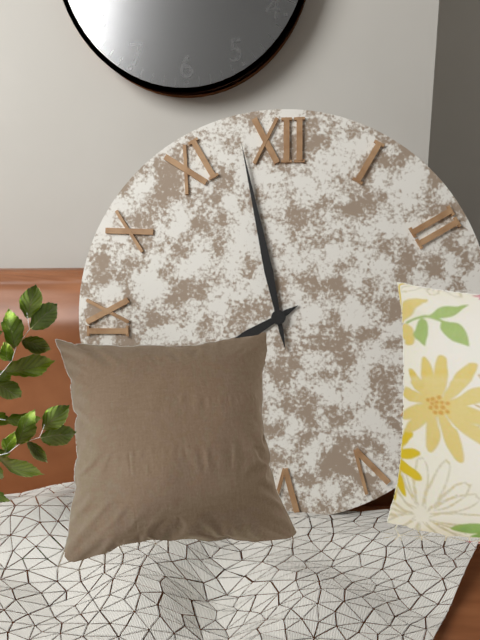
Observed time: 7:58
